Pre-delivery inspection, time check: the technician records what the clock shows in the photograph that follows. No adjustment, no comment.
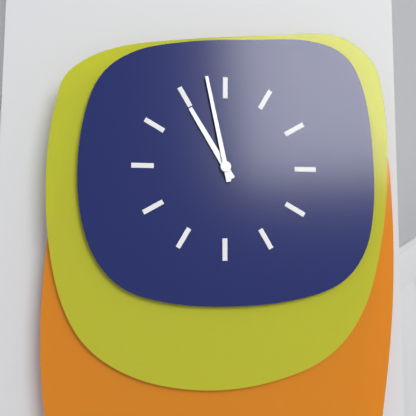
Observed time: 10:58
